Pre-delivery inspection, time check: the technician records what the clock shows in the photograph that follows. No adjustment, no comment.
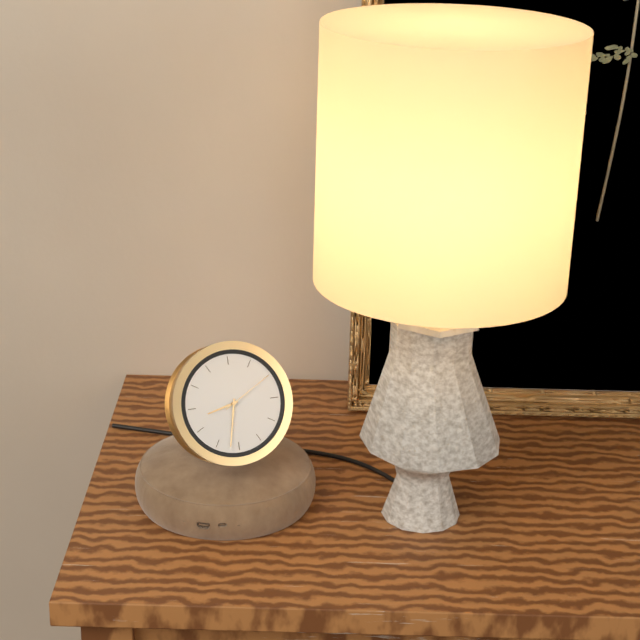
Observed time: 8:32:10
